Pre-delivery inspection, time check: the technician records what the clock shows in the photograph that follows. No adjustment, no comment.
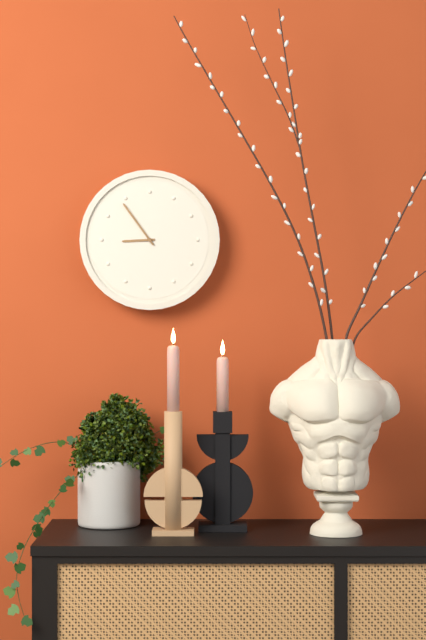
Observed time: 8:54
